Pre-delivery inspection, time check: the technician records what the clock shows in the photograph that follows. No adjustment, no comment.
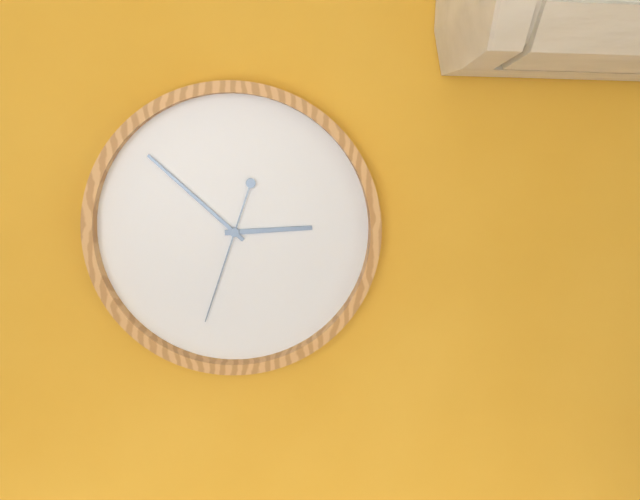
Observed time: 2:52:33
